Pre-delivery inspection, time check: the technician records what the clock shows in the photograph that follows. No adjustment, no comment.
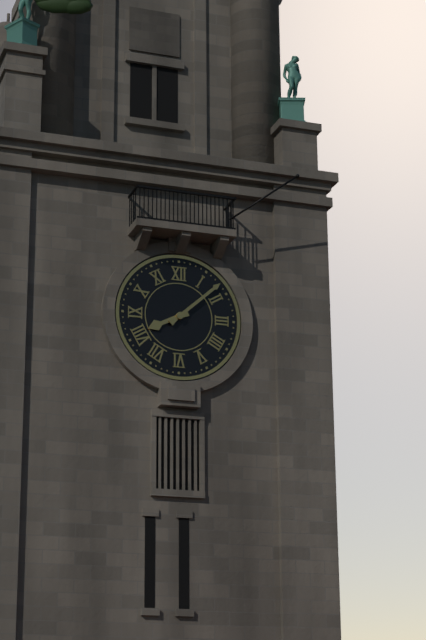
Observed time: 8:08
